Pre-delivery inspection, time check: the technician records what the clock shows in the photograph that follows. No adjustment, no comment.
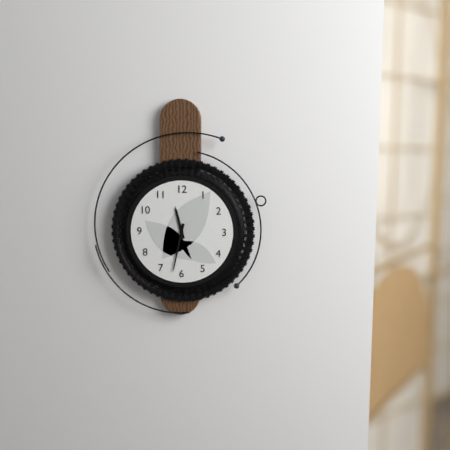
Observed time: 11:32
